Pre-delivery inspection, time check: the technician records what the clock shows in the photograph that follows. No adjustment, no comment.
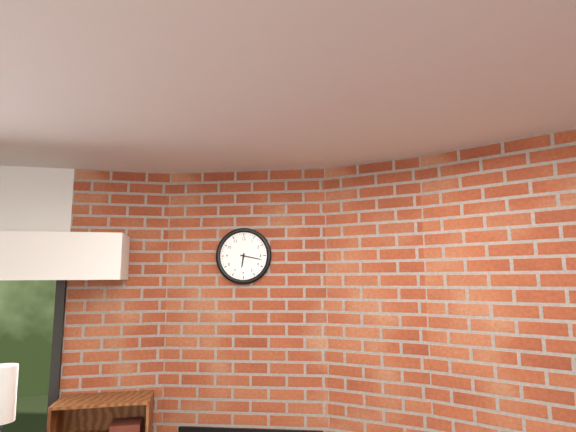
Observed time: 6:17
